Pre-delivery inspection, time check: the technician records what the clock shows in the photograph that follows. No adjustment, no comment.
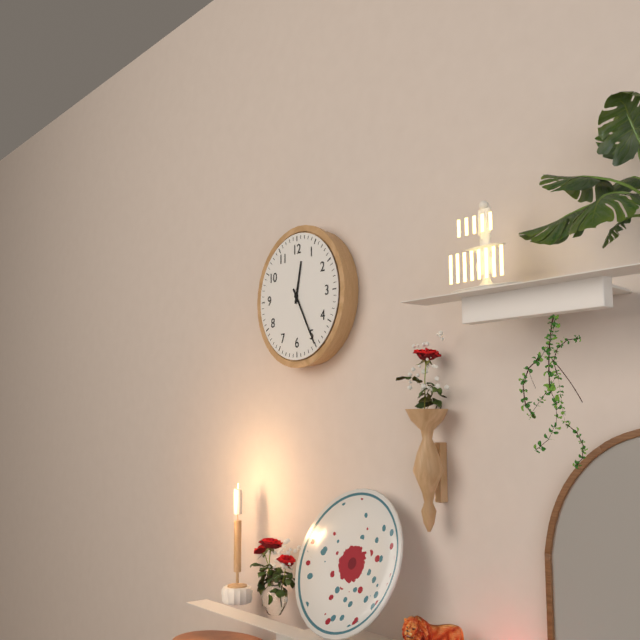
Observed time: 12:25
